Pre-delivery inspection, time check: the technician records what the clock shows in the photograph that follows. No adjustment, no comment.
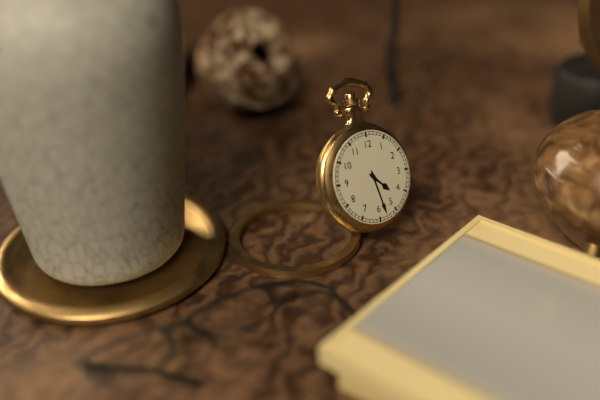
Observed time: 4:28
